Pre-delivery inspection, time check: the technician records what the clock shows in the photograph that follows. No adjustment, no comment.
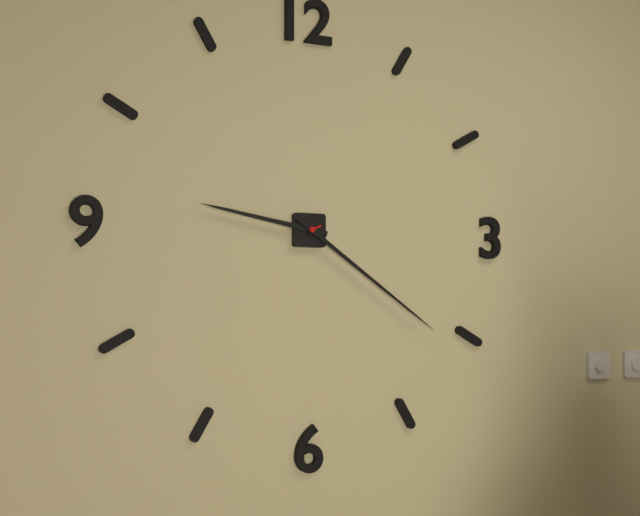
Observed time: 9:21
